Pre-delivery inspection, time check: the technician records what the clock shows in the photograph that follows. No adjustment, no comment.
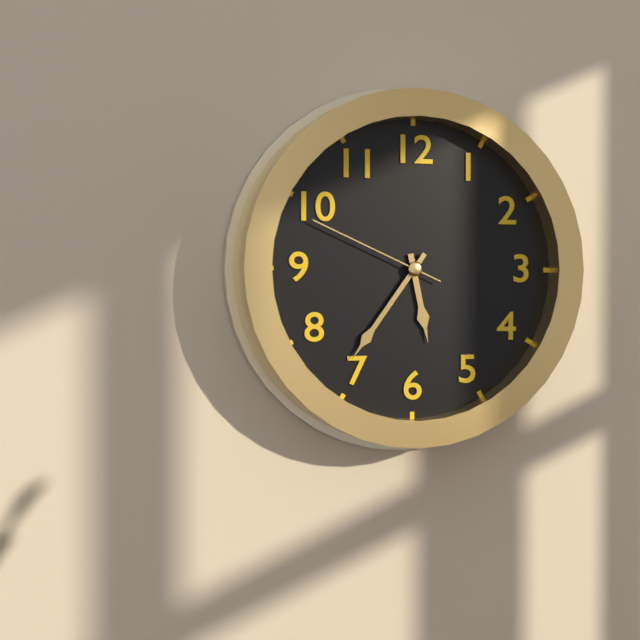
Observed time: 5:36:49
